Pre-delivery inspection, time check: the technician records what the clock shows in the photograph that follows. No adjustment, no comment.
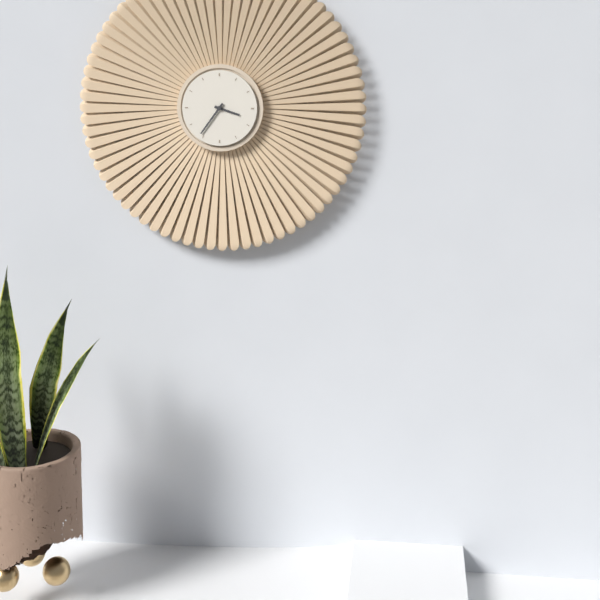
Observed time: 3:36
